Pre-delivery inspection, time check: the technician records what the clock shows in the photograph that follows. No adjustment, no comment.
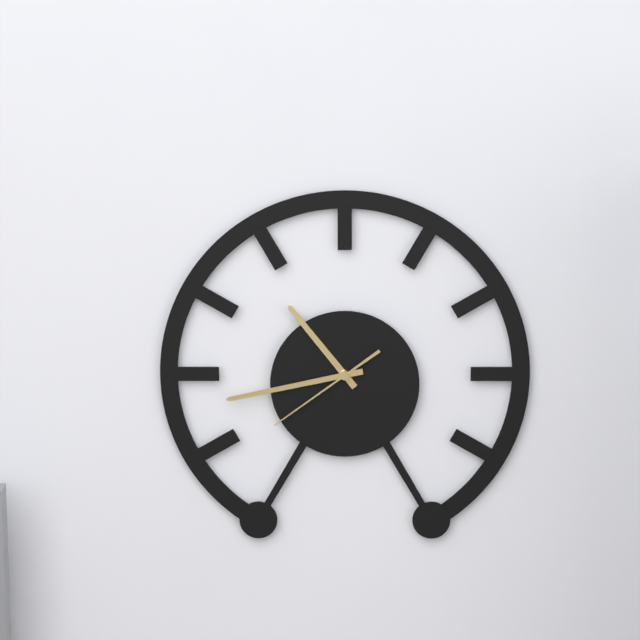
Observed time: 10:43:39
